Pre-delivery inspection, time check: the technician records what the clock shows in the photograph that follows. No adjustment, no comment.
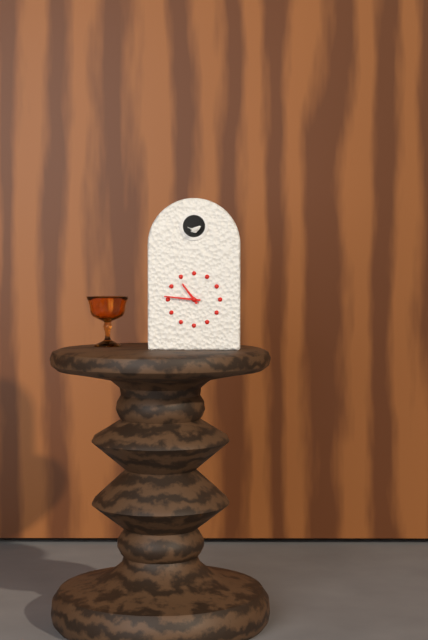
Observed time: 10:46
